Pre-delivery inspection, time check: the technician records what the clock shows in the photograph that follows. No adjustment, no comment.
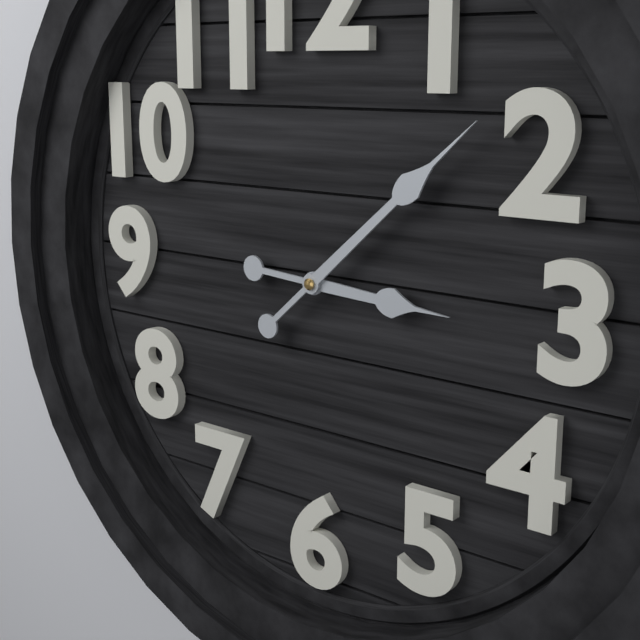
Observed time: 3:08
